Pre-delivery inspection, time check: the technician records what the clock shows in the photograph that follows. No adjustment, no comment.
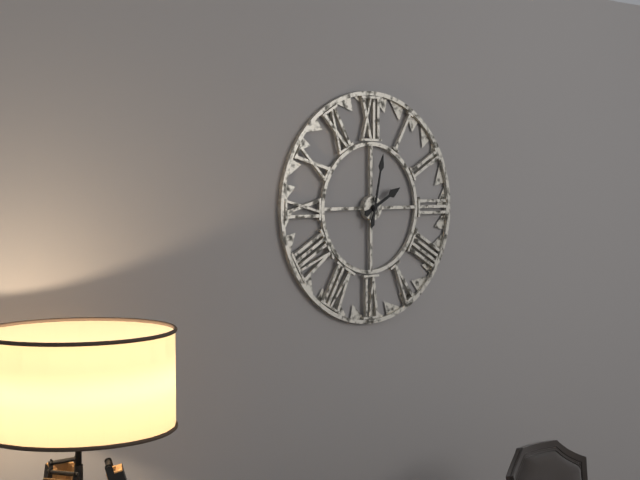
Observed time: 2:02
